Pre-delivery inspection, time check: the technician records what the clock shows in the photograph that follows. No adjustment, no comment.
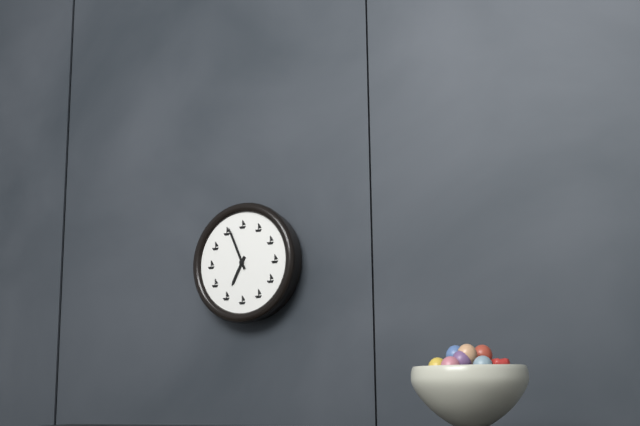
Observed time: 6:56
